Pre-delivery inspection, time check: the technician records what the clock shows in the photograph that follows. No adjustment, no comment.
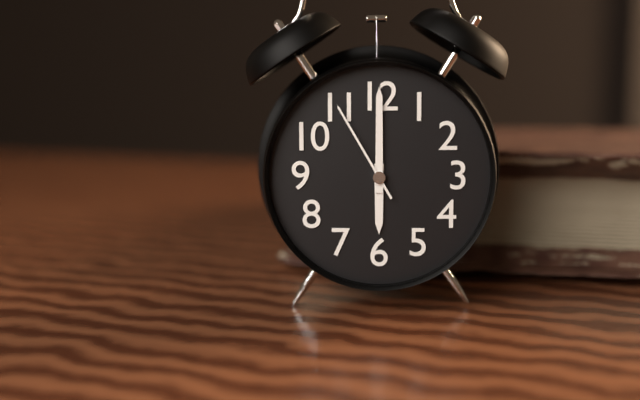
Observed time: 6:00:55
